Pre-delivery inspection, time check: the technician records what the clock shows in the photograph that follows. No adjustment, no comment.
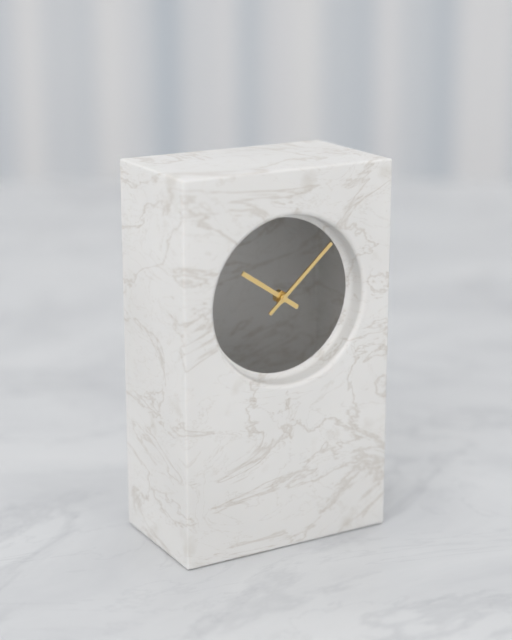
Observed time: 10:08
